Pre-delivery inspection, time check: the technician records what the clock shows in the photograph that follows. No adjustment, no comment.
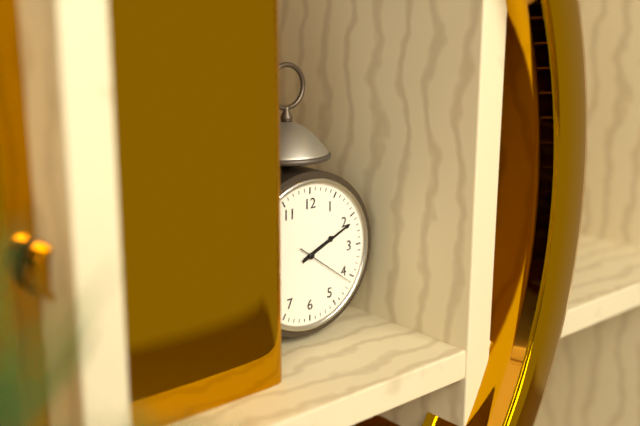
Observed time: 2:11:21
